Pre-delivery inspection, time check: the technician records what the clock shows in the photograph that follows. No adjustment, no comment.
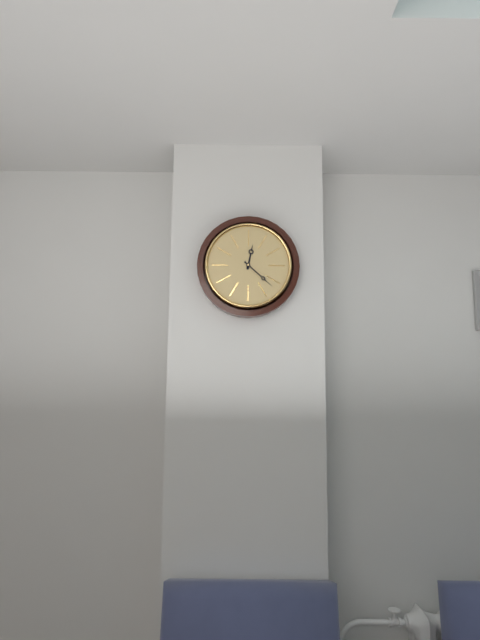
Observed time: 12:22
